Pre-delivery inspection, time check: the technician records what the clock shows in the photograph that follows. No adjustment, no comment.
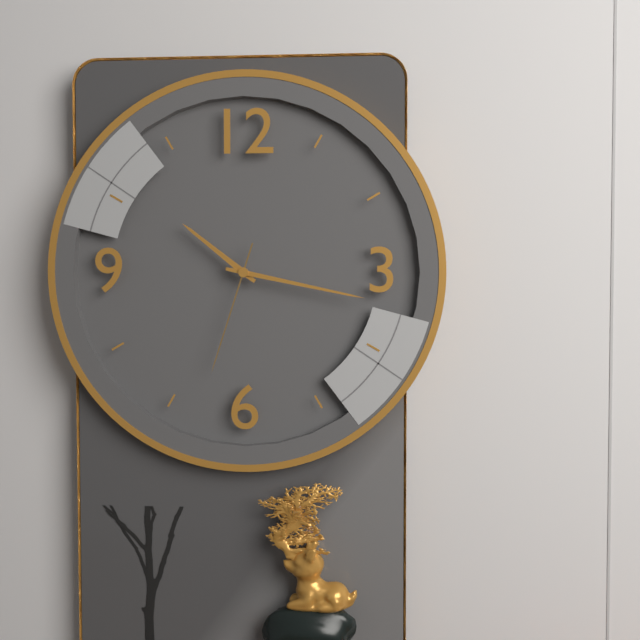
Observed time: 10:17:33
